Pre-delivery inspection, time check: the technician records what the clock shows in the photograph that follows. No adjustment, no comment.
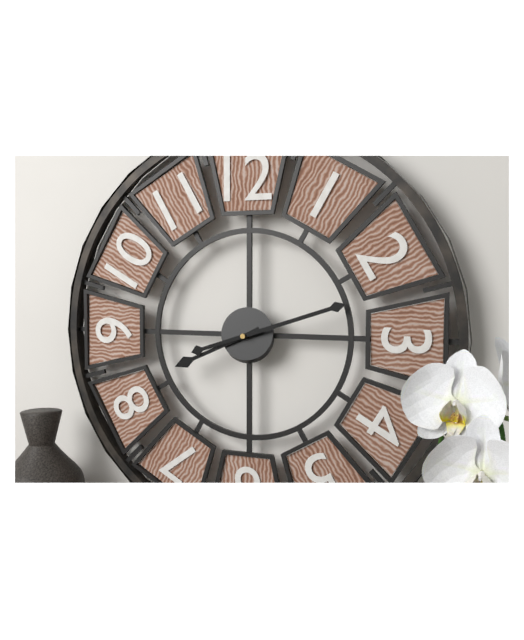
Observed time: 8:12
